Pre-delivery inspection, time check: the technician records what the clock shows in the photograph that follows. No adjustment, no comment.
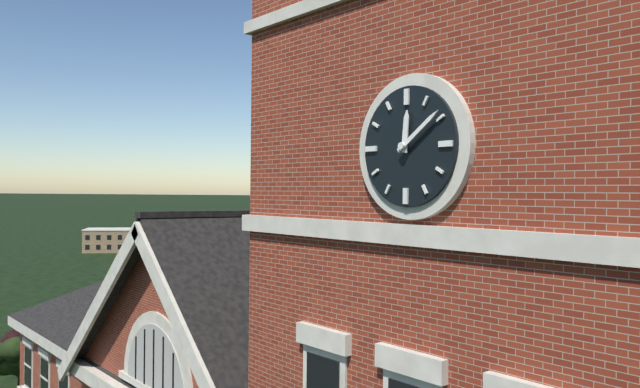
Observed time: 12:09
